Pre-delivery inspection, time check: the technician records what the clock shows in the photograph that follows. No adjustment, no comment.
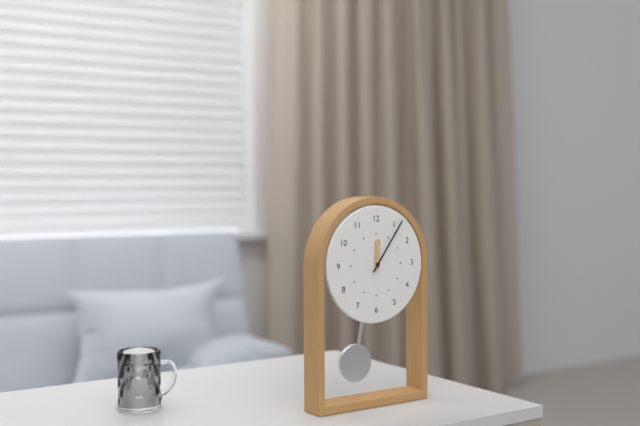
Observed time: 12:06
